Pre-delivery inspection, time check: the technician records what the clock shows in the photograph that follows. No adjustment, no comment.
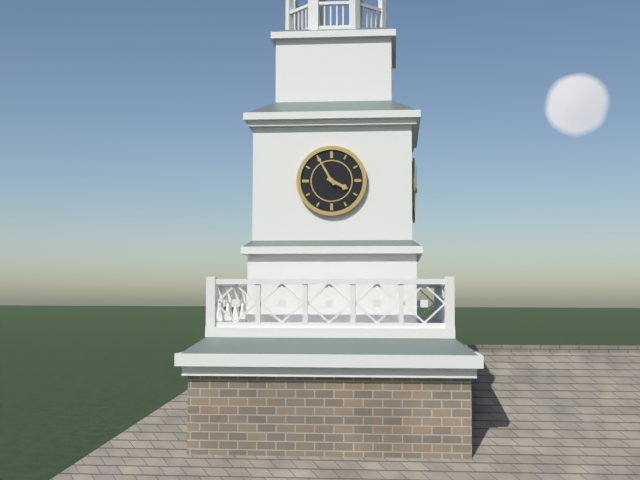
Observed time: 3:55
